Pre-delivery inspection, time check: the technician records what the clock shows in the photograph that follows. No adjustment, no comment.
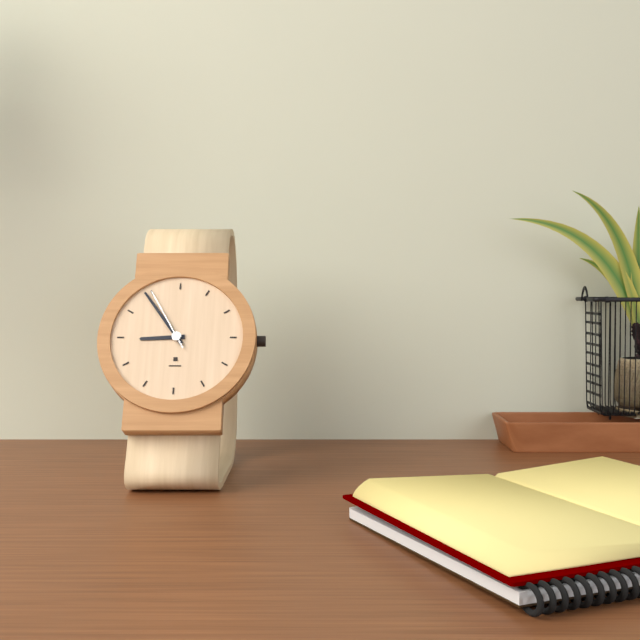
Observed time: 8:54:55
